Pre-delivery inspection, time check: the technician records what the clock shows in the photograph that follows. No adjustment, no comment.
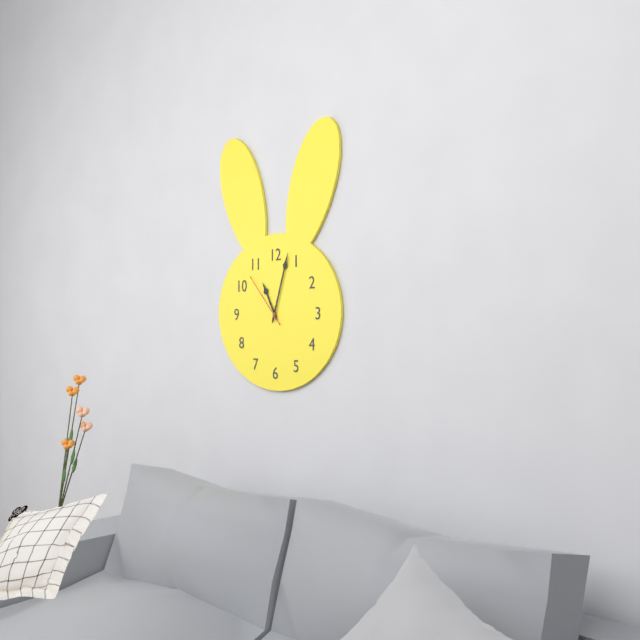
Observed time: 11:03:53
